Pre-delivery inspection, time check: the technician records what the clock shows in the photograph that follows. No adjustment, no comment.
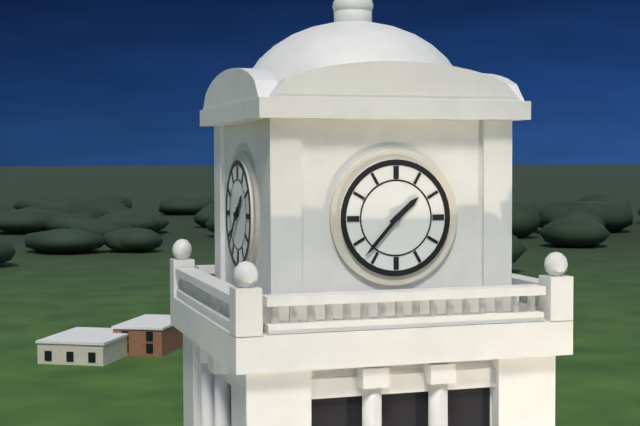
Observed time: 1:37
